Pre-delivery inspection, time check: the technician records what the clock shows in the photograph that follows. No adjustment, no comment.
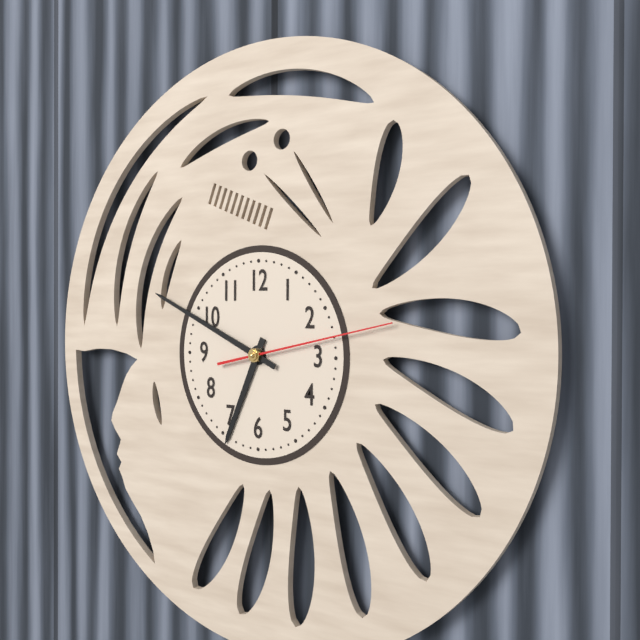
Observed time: 6:49:13
